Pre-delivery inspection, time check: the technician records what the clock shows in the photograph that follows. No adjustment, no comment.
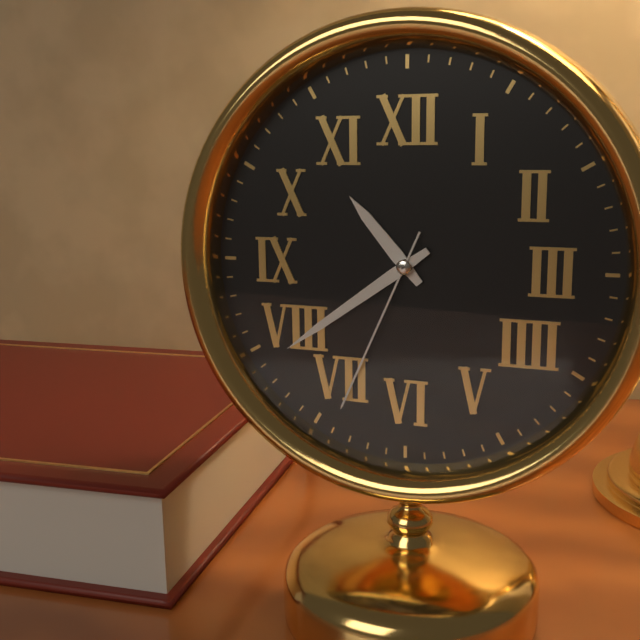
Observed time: 10:39:34
